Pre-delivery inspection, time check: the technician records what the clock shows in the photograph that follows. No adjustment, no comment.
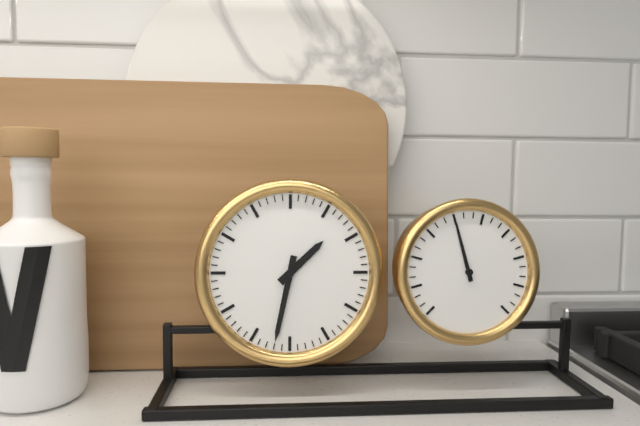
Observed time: 1:32
